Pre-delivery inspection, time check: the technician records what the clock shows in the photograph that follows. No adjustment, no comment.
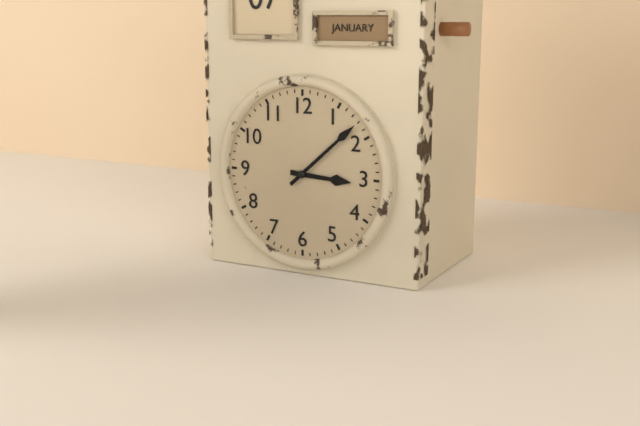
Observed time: 3:08
